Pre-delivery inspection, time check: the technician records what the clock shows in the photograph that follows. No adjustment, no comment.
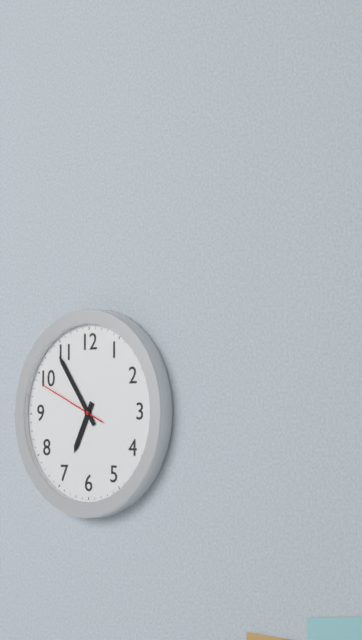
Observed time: 6:54:49
